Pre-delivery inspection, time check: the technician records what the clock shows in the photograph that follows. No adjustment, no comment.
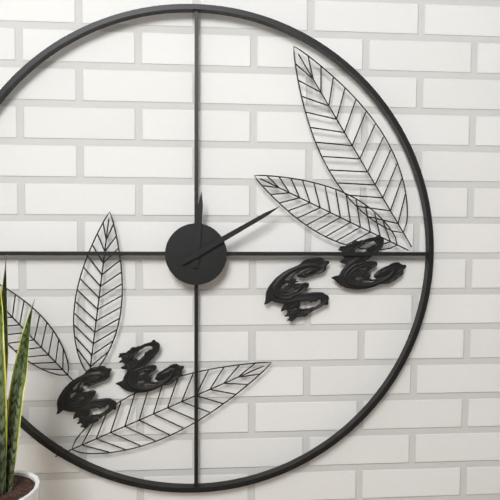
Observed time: 12:10
